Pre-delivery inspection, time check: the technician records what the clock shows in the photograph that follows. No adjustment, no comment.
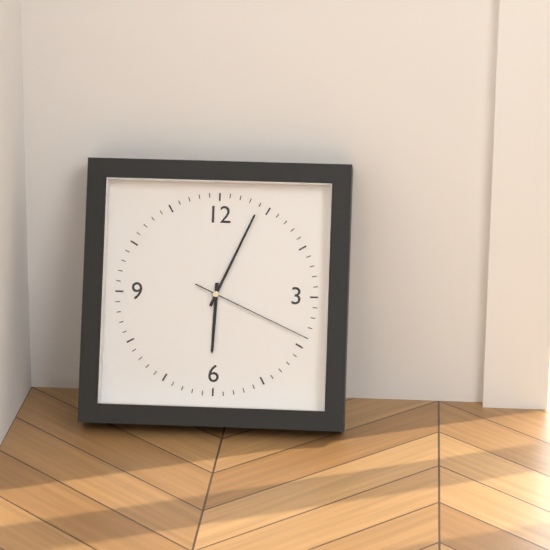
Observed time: 6:04:19
